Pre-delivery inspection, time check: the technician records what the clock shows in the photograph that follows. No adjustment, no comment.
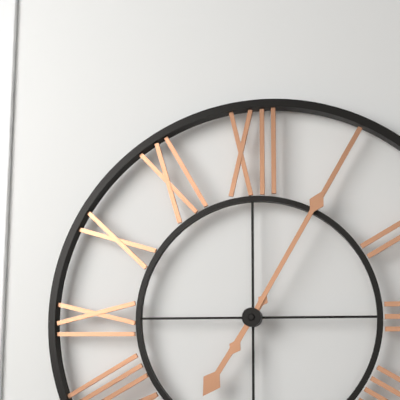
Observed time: 7:05
